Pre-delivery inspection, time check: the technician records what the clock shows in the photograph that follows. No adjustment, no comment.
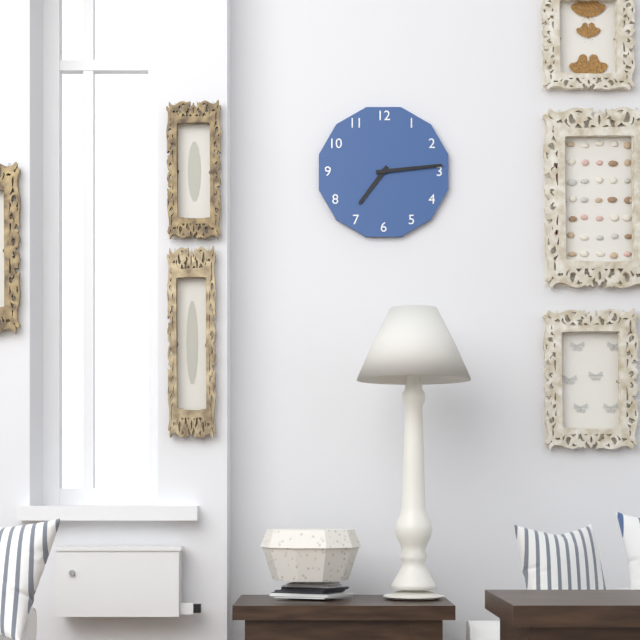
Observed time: 7:14
